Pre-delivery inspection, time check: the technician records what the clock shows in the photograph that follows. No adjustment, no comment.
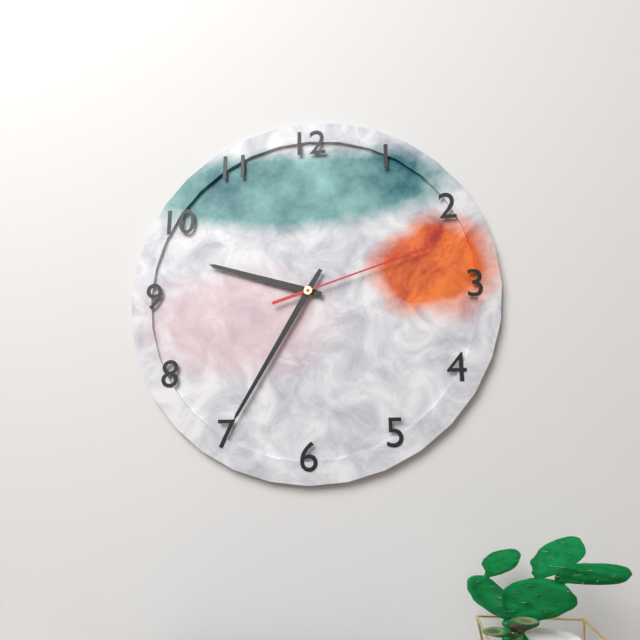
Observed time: 9:35:12
